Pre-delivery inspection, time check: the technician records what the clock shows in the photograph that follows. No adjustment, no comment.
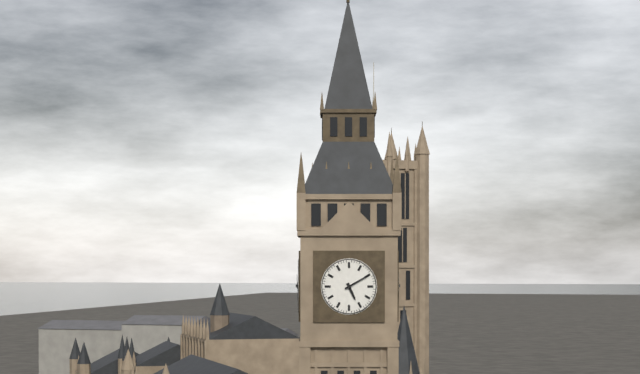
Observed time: 5:10
